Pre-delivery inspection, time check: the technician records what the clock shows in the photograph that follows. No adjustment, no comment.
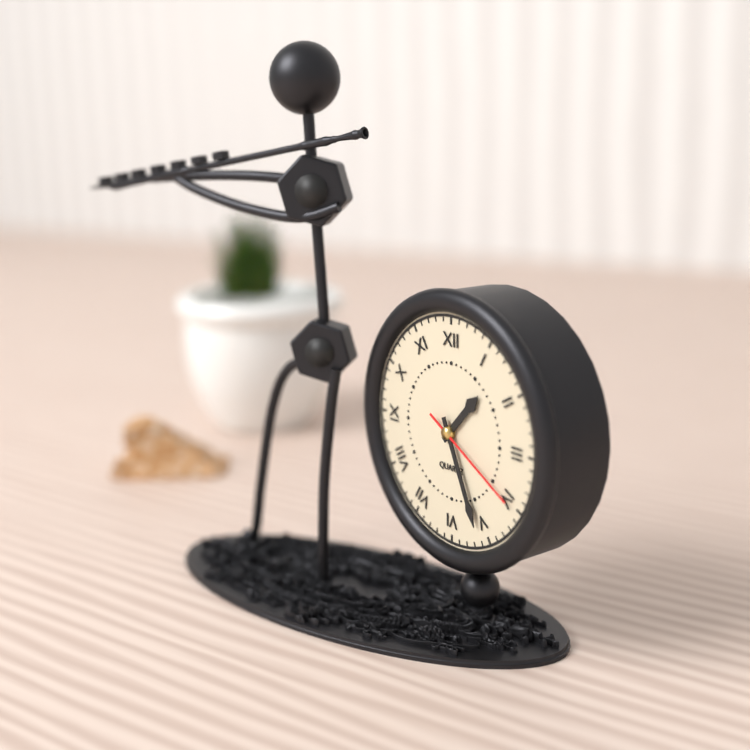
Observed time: 1:26:20
